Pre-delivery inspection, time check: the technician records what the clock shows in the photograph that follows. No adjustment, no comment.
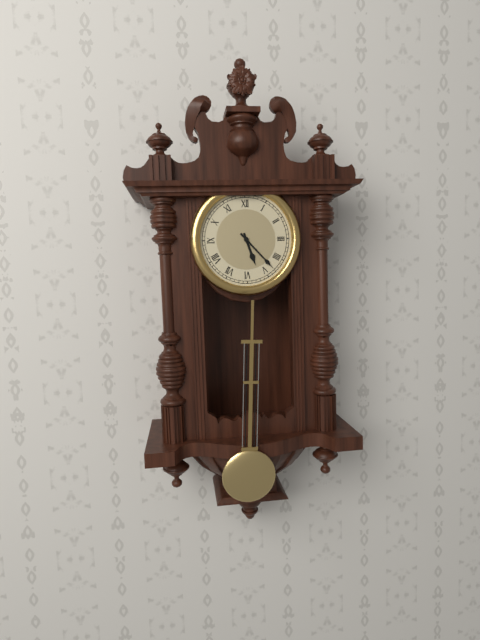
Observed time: 5:23
